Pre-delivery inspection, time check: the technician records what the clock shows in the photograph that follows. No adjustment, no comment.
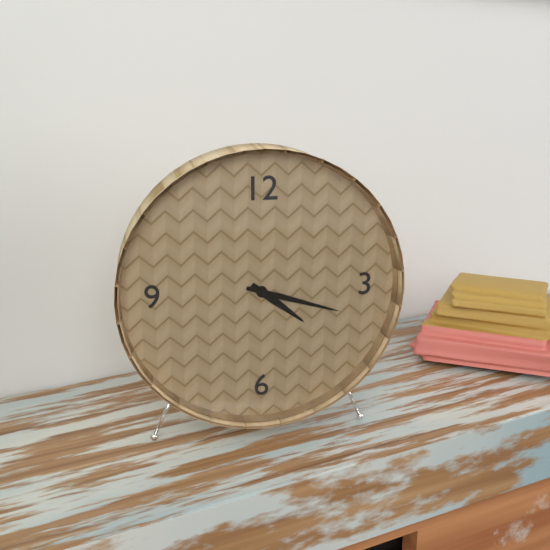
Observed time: 4:18
